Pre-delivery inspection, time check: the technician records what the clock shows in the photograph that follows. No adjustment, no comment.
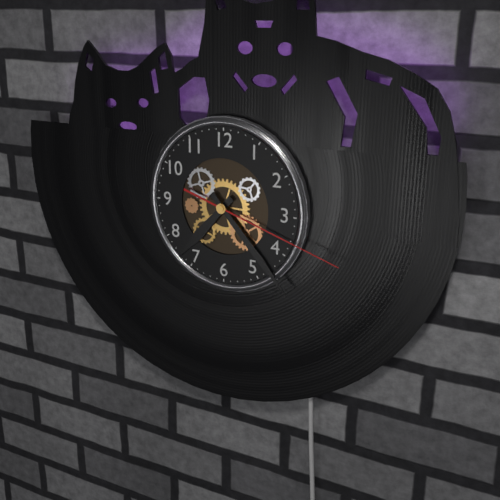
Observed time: 7:23:18
